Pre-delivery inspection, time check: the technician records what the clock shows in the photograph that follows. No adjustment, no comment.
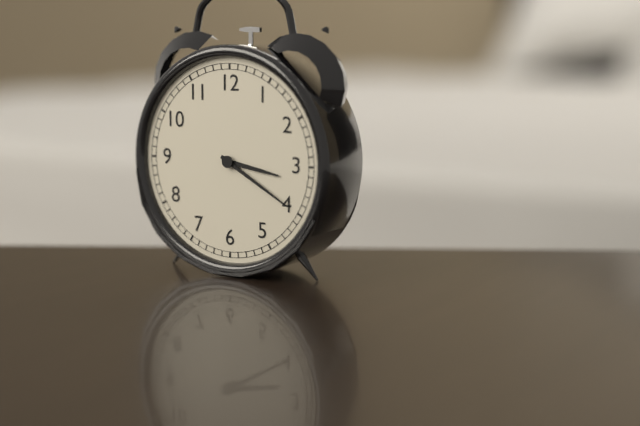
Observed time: 3:20
